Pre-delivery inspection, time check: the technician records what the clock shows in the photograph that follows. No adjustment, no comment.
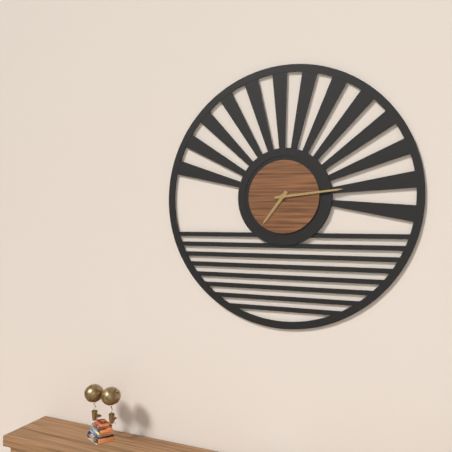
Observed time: 7:14
